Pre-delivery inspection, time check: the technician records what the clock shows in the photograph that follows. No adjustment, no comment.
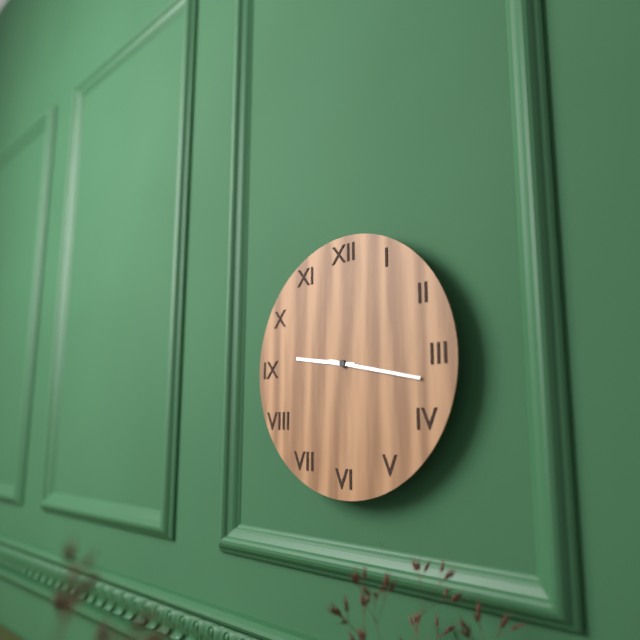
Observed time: 9:17
